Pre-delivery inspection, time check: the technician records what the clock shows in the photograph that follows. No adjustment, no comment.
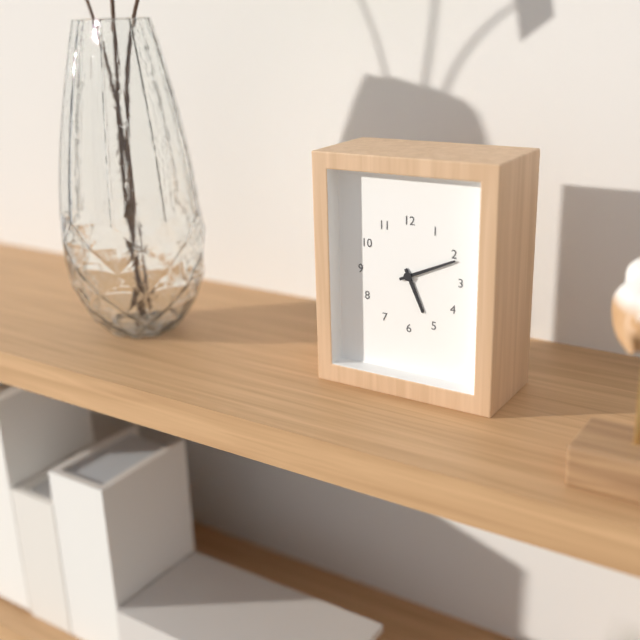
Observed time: 5:11
